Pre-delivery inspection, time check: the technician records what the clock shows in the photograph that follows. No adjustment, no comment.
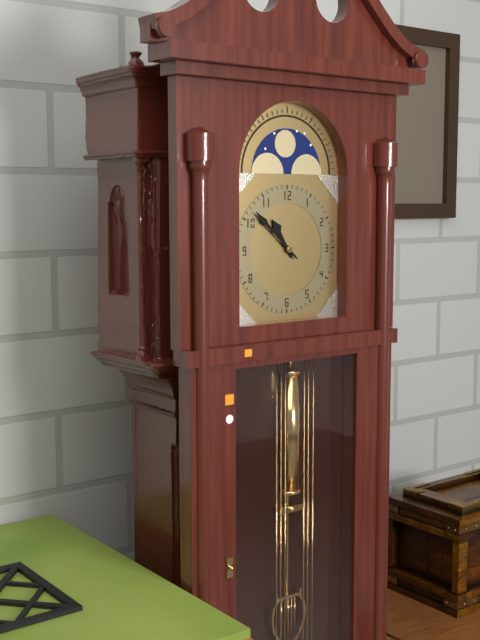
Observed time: 10:52
